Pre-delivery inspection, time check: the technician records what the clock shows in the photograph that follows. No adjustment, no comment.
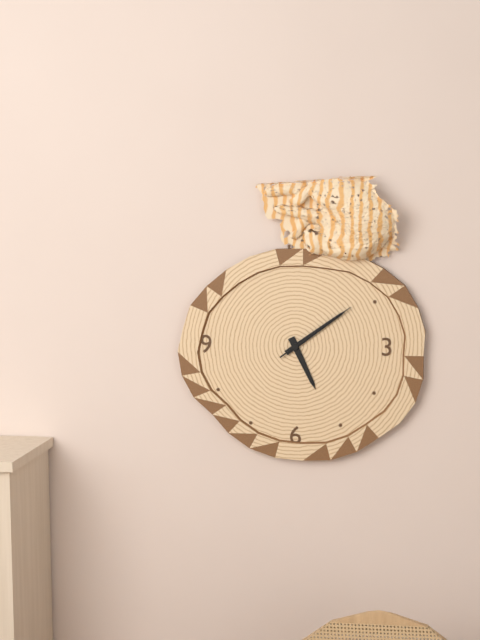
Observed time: 5:09:09
